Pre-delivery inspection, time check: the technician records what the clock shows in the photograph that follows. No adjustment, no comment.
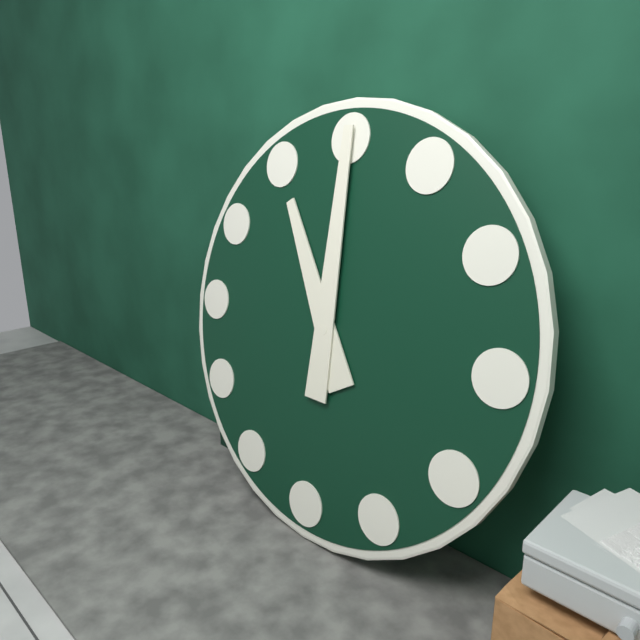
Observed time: 11:00
